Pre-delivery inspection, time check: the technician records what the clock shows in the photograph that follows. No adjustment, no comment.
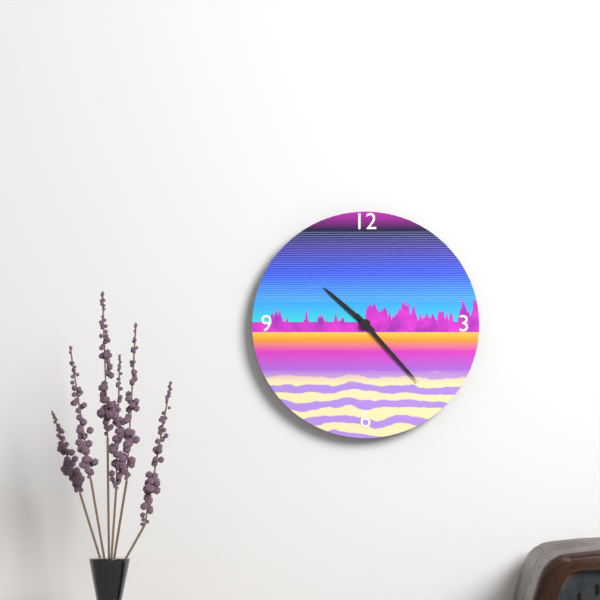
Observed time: 10:23
